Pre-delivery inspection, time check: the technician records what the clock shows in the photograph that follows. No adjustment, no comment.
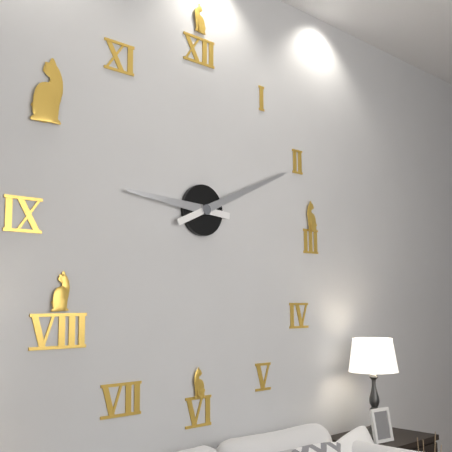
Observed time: 9:11
